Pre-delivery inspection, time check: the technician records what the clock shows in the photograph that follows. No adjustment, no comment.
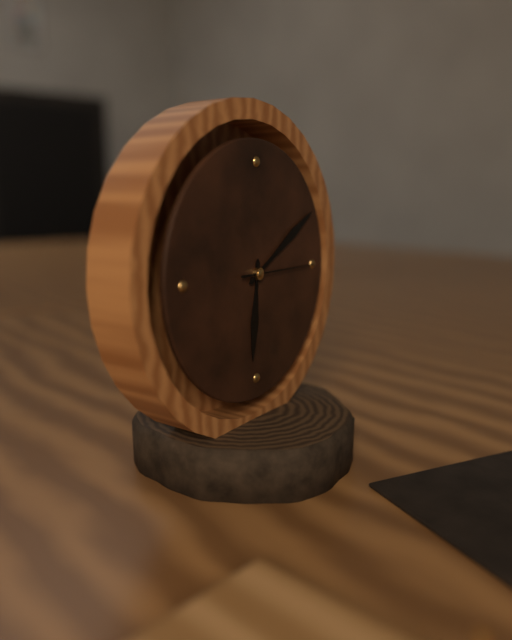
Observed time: 6:10:15
